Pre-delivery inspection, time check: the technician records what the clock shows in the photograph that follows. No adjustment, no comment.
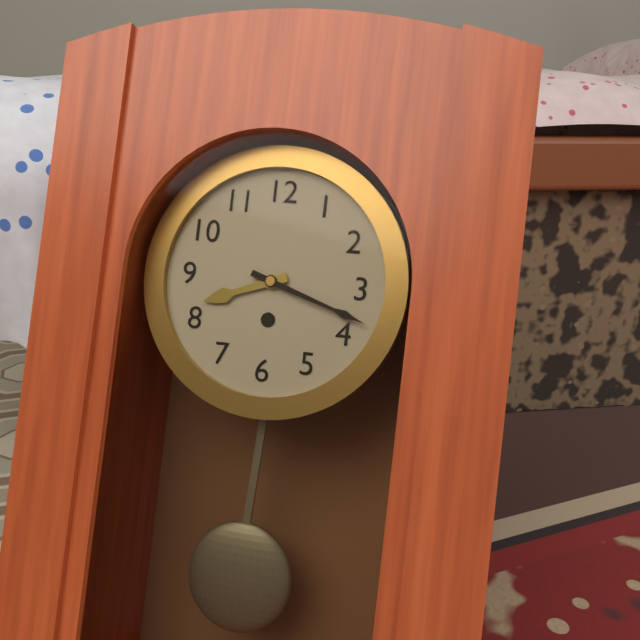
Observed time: 8:18
